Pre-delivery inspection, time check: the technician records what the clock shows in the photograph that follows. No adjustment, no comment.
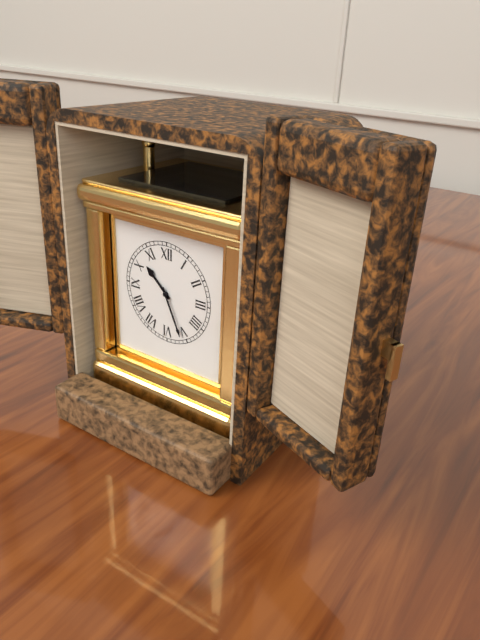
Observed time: 10:26
